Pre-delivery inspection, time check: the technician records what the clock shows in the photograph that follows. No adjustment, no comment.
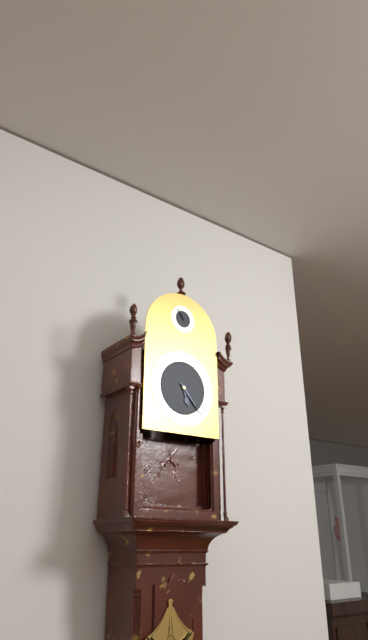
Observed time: 5:23
